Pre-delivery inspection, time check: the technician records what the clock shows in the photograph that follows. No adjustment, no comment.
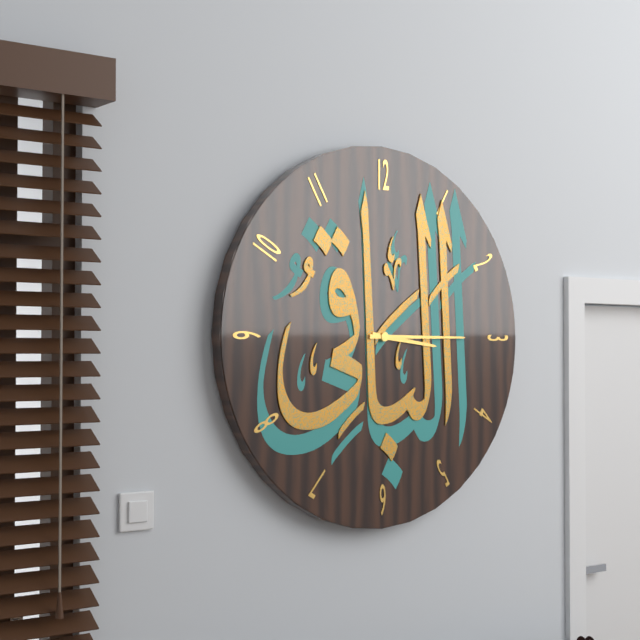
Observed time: 3:15
